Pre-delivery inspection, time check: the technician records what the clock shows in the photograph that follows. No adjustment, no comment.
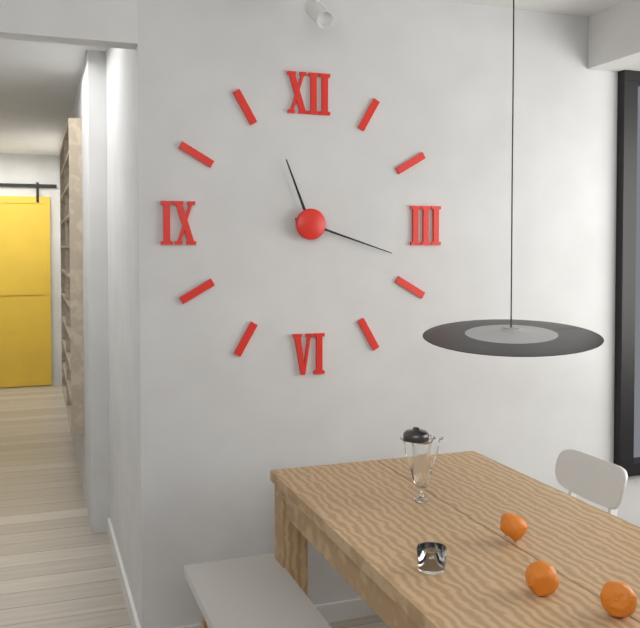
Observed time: 11:18
